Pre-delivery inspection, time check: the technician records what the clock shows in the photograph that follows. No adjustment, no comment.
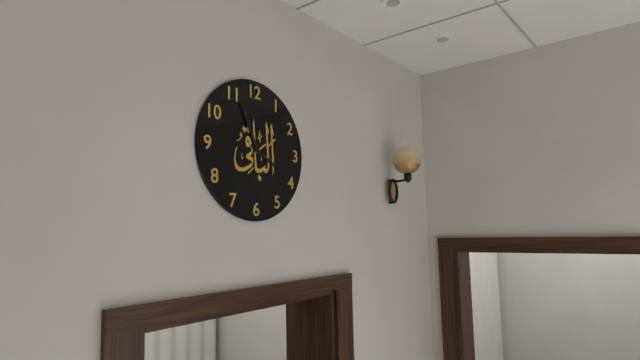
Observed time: 3:56
